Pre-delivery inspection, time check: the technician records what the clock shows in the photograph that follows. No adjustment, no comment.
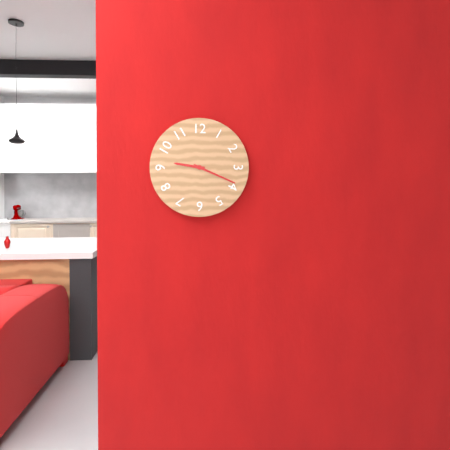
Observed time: 9:19
